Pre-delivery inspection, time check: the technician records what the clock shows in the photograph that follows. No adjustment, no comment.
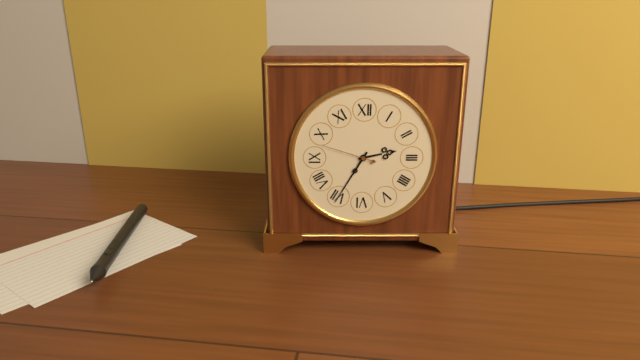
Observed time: 2:35:48
